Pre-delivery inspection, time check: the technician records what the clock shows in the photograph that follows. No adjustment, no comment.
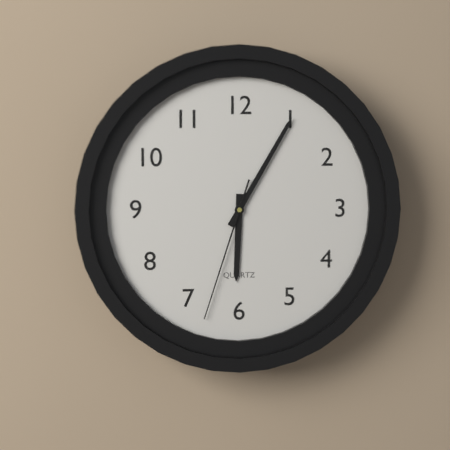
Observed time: 6:05:33
